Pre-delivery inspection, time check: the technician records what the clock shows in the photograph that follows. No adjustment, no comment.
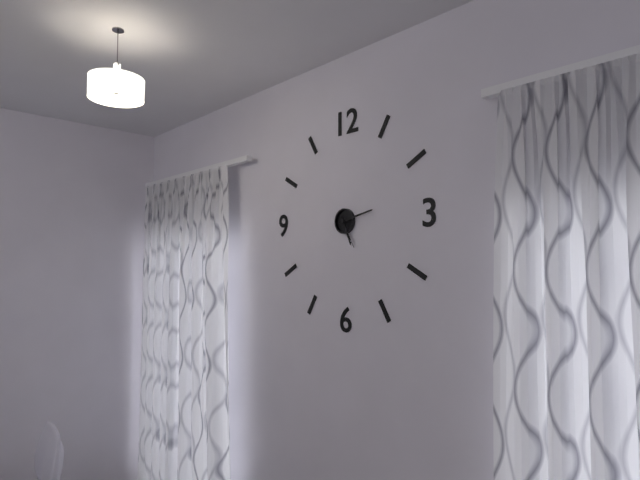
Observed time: 5:13
